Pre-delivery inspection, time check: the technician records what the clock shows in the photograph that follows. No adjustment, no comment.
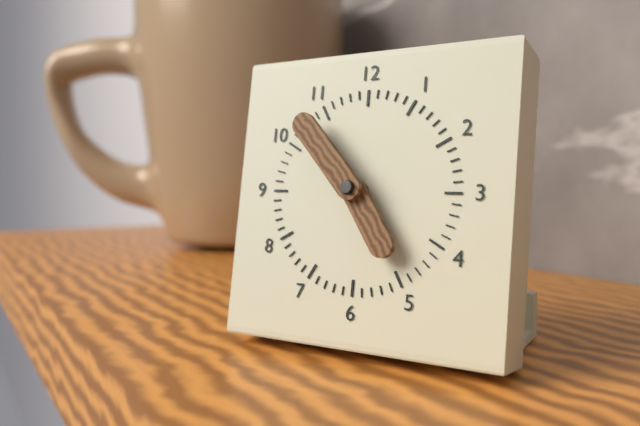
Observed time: 4:53
